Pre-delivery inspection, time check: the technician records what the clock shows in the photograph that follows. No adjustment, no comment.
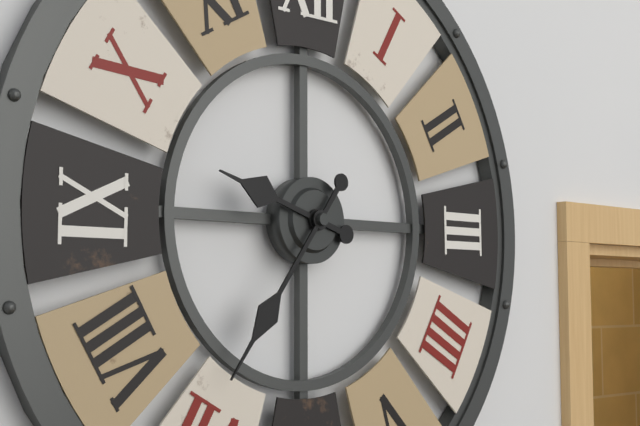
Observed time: 9:36
